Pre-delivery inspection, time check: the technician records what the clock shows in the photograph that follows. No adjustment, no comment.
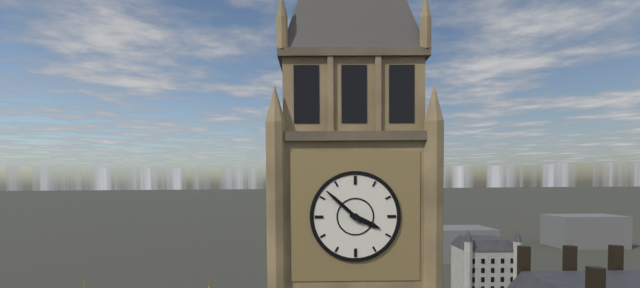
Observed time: 3:52
